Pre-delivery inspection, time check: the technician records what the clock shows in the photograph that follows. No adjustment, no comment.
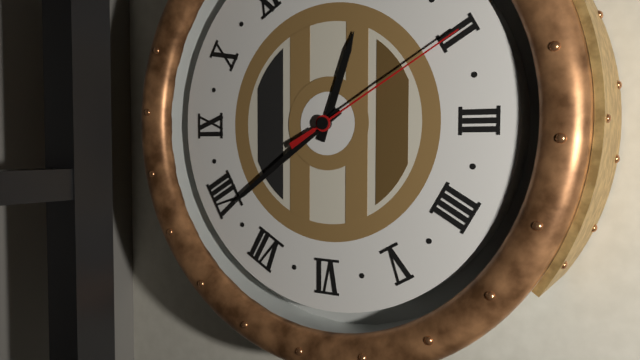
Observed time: 12:39:10
